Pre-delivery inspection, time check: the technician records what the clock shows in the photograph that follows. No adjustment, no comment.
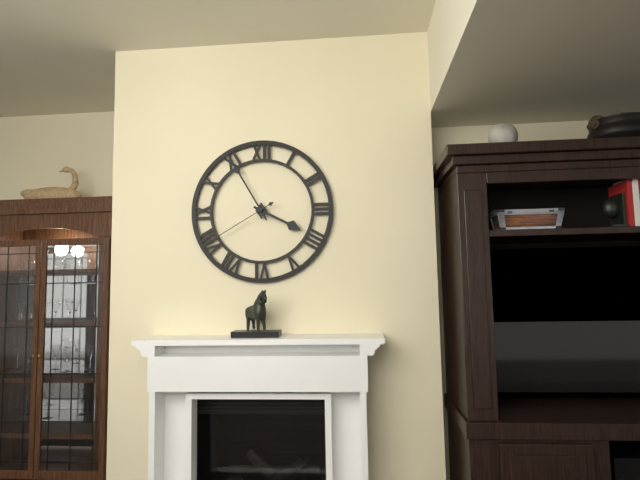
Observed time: 3:55:40
